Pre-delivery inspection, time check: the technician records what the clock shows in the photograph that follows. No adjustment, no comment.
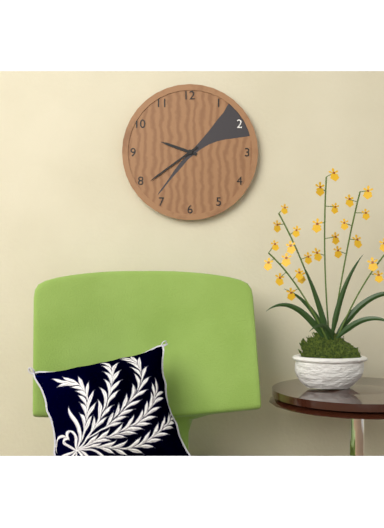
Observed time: 9:39
